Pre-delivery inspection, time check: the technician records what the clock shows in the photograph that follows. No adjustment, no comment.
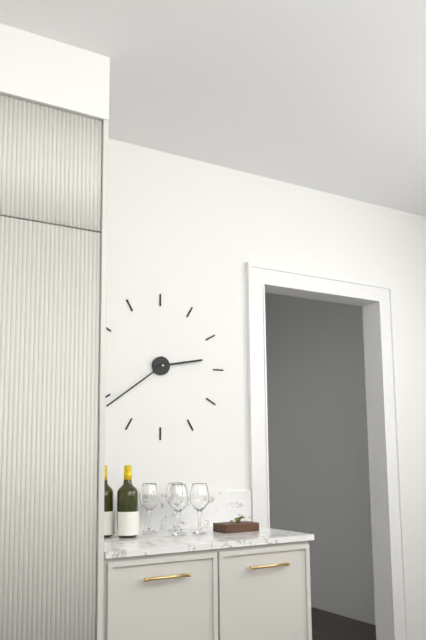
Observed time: 2:39
